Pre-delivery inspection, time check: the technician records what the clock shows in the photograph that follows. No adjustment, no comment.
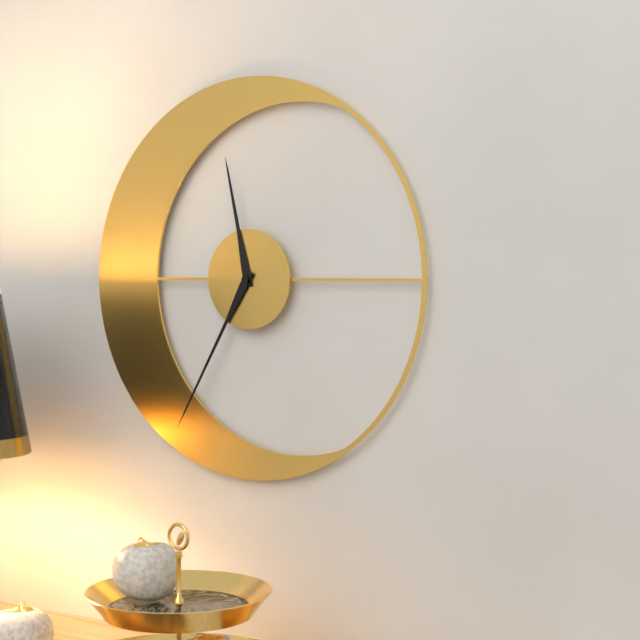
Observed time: 11:35
